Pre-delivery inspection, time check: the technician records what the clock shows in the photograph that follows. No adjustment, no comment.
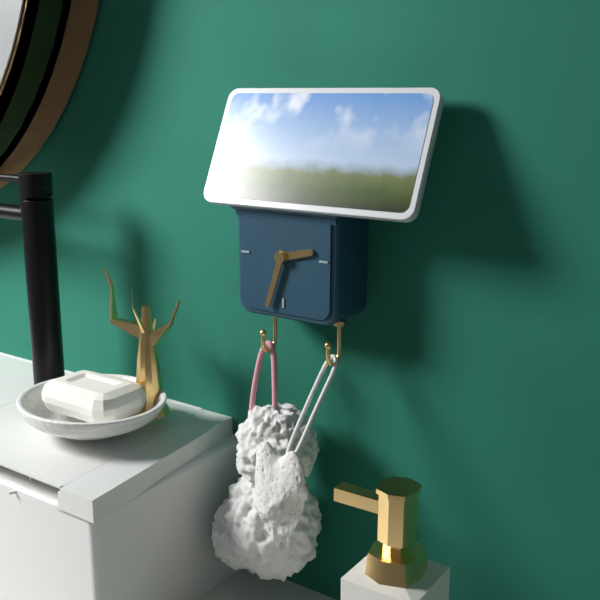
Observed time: 2:33
